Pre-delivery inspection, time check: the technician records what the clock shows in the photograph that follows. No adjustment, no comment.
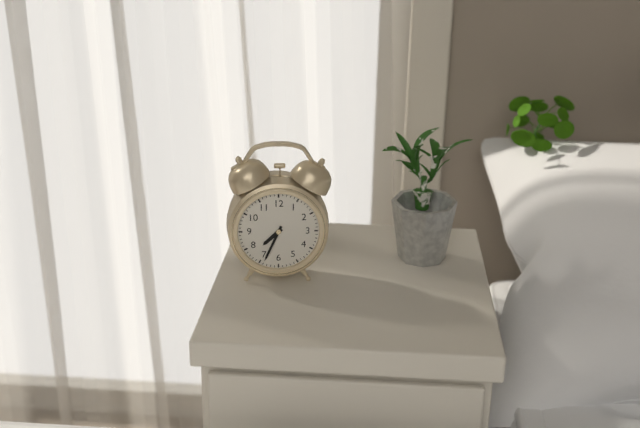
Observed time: 7:34
